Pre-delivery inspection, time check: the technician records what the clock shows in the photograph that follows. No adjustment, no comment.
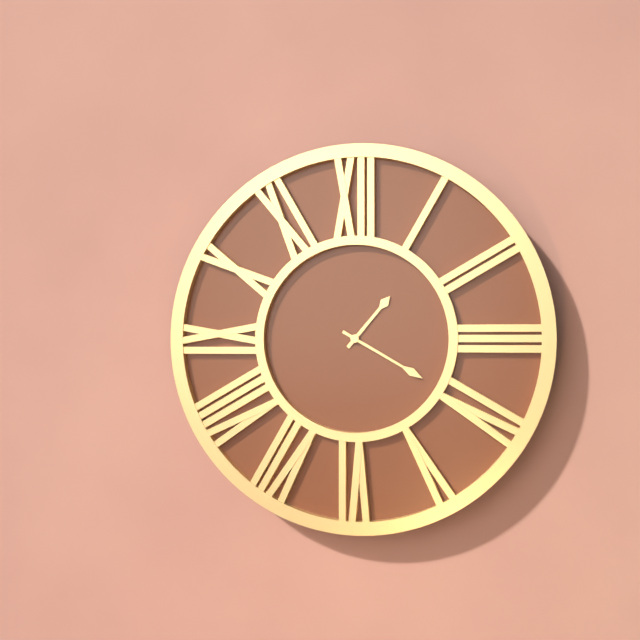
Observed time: 1:20
